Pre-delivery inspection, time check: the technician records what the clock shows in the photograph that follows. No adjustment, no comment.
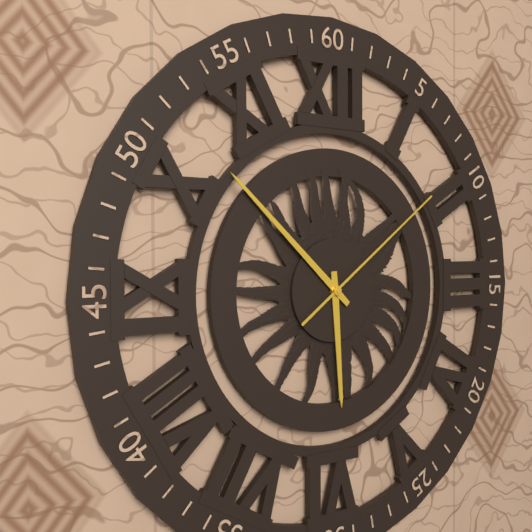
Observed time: 5:52:09
